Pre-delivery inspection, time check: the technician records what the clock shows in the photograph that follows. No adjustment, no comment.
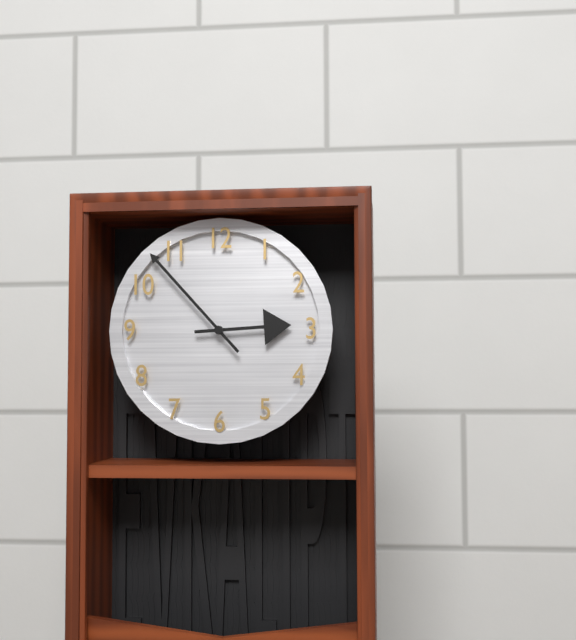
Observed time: 2:53
